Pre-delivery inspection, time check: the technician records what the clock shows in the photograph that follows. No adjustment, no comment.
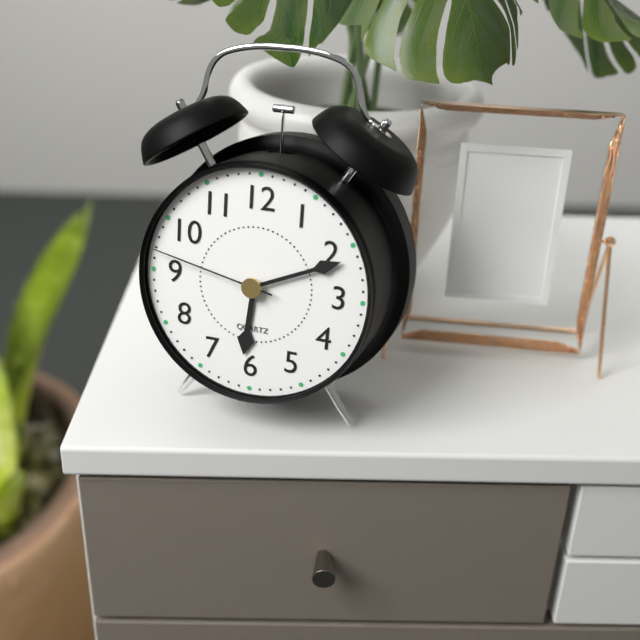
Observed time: 6:11:47
